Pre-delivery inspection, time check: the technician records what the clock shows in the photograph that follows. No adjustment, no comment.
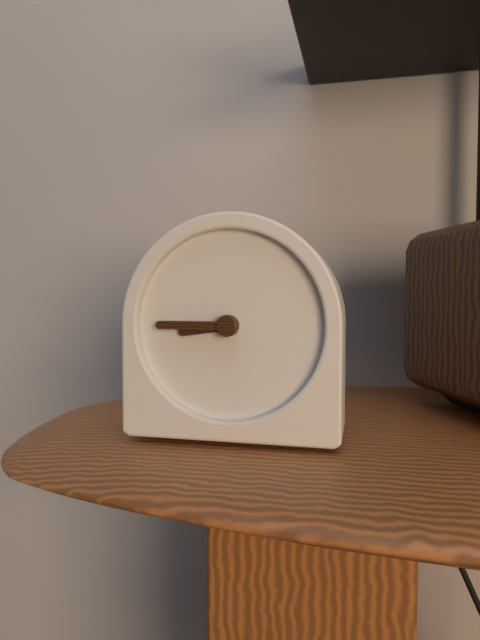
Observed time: 8:45
